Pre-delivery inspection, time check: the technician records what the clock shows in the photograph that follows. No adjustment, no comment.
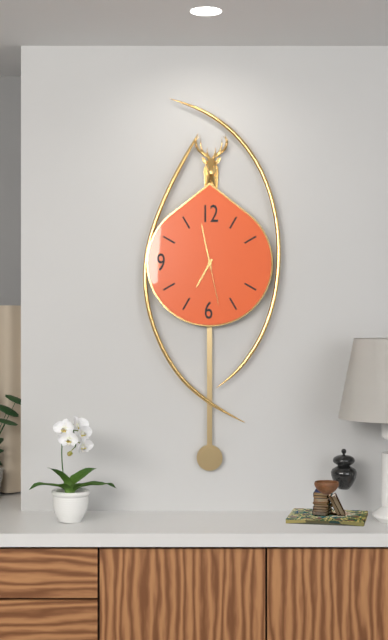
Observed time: 6:58:28
